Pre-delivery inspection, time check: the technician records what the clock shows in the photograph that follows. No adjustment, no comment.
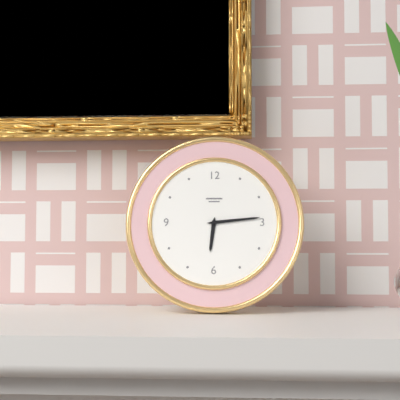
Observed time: 6:14
